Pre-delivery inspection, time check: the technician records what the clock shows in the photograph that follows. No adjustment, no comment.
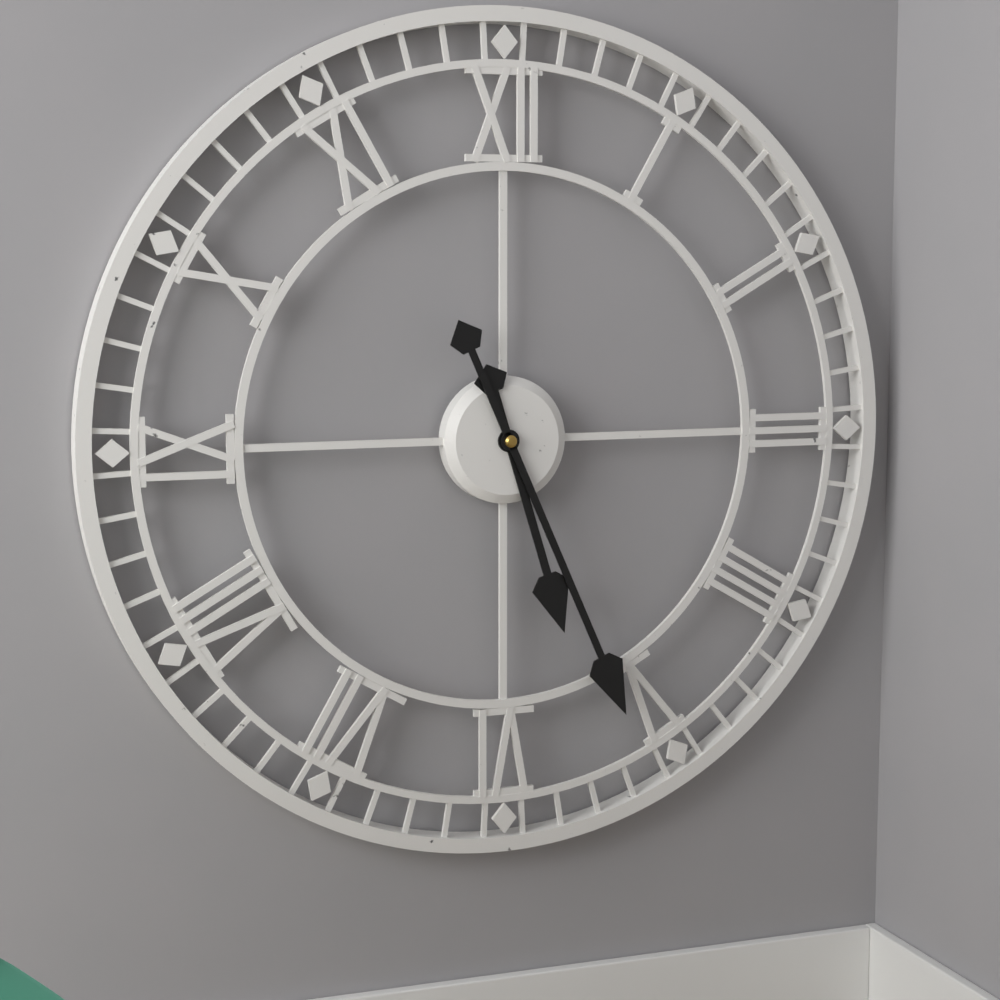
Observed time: 5:26
